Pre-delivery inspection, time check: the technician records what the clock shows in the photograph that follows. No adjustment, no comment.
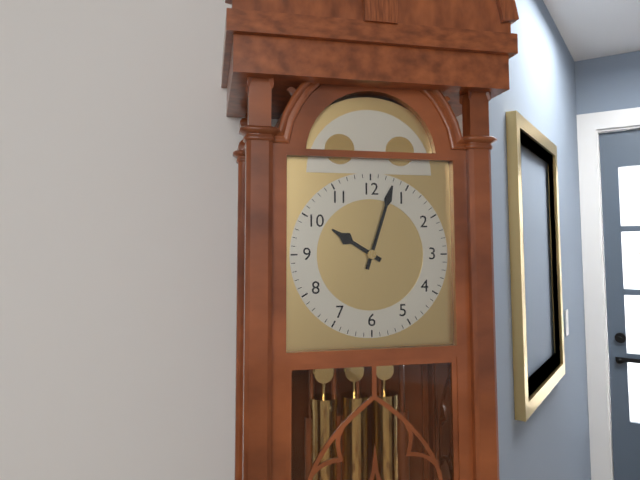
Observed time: 10:03
